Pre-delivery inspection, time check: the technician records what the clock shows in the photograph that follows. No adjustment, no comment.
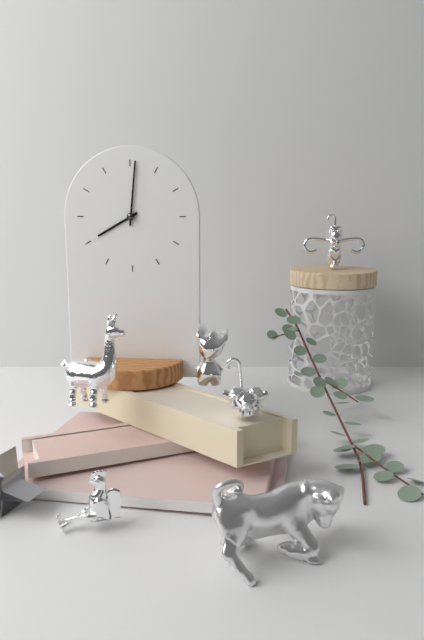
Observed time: 8:01
